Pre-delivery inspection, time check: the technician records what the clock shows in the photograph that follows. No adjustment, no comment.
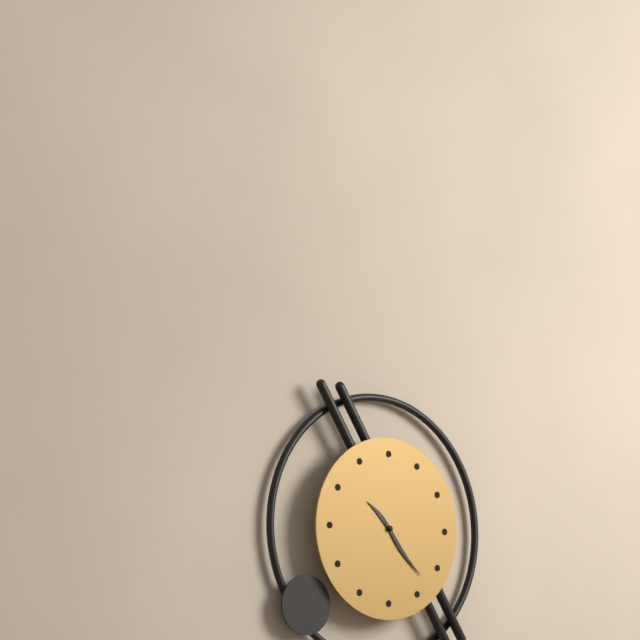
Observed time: 10:23
